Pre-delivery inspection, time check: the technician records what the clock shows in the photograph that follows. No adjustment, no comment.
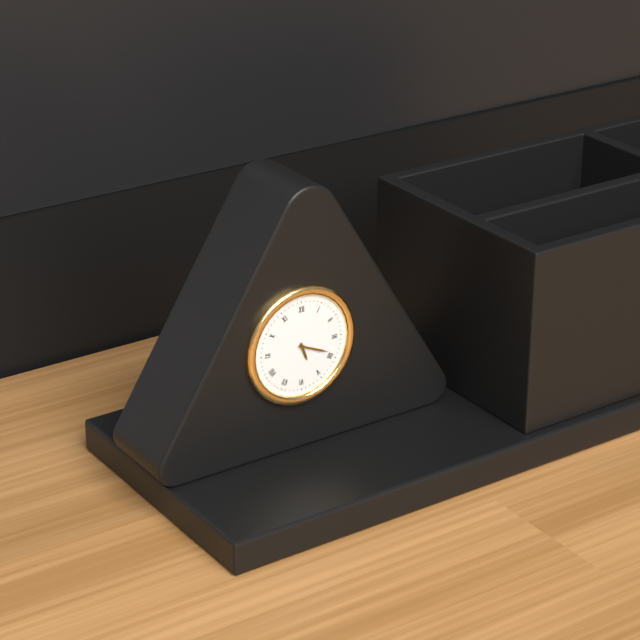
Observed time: 5:19
